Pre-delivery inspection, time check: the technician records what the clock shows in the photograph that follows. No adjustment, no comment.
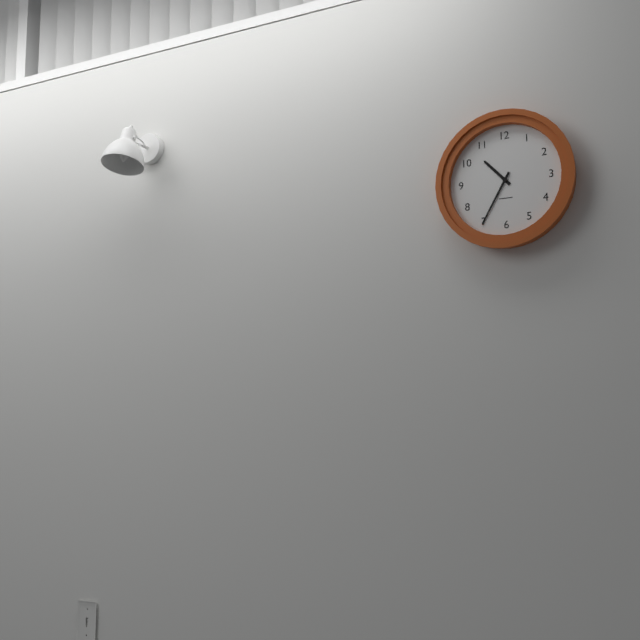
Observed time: 10:35
